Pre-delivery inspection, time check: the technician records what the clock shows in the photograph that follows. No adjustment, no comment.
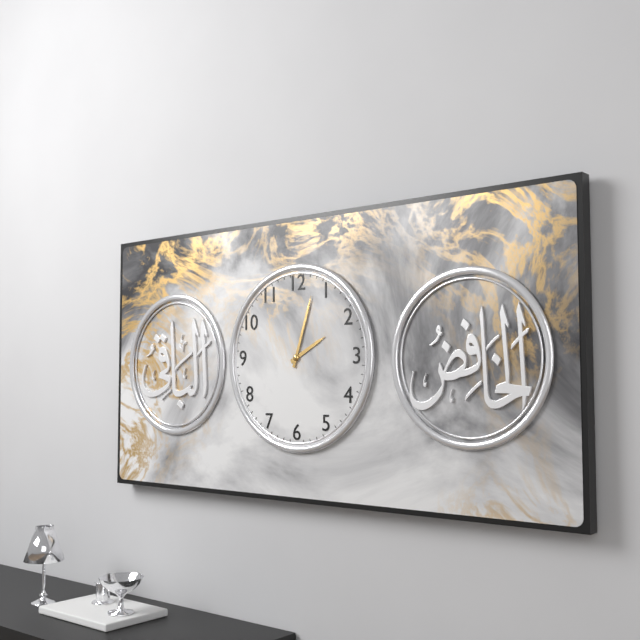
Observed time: 2:03
